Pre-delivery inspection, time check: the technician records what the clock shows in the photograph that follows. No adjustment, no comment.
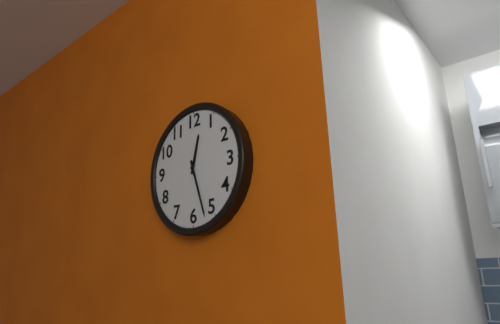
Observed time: 12:27
